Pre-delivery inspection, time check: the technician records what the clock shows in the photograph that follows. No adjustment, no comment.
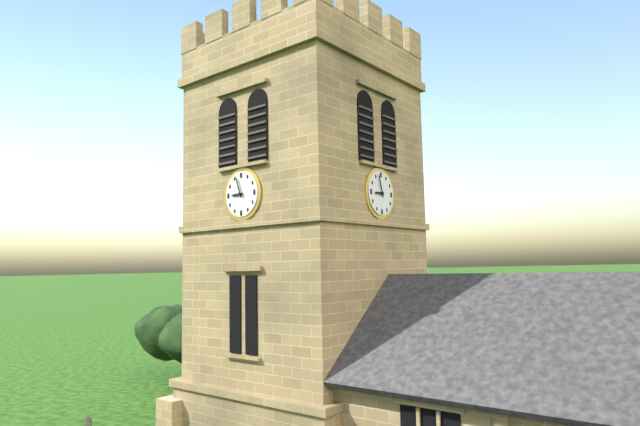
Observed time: 8:57
